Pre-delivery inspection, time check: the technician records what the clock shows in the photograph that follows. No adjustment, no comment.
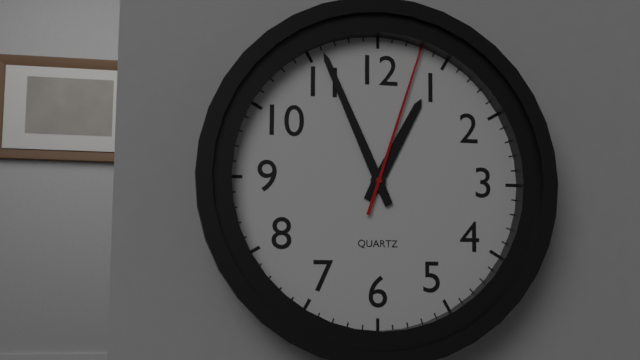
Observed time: 12:56:03
